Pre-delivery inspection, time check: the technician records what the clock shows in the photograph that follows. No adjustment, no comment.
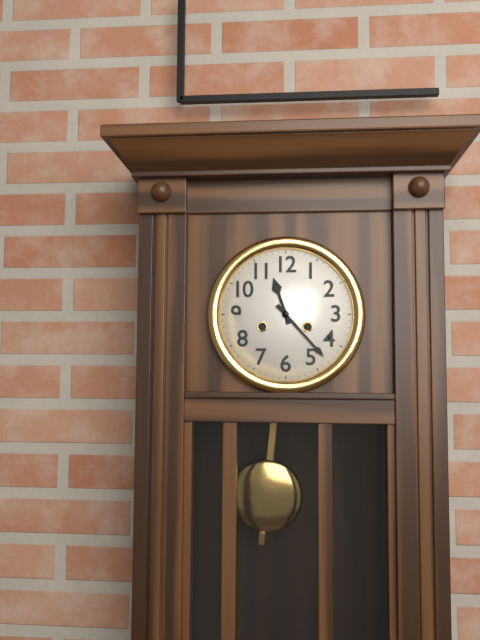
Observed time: 11:23
